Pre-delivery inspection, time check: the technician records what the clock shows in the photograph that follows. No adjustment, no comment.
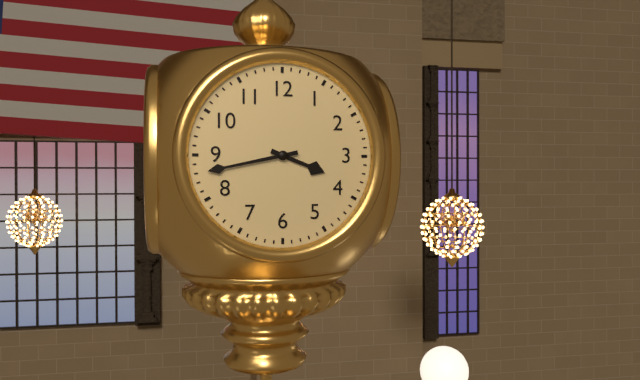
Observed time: 3:43
